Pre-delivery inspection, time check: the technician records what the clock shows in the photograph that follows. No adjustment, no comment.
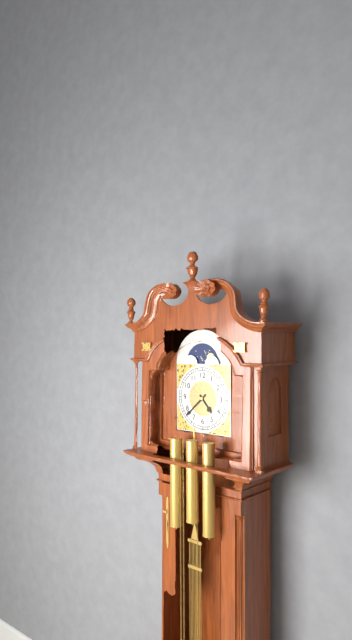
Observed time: 4:38
